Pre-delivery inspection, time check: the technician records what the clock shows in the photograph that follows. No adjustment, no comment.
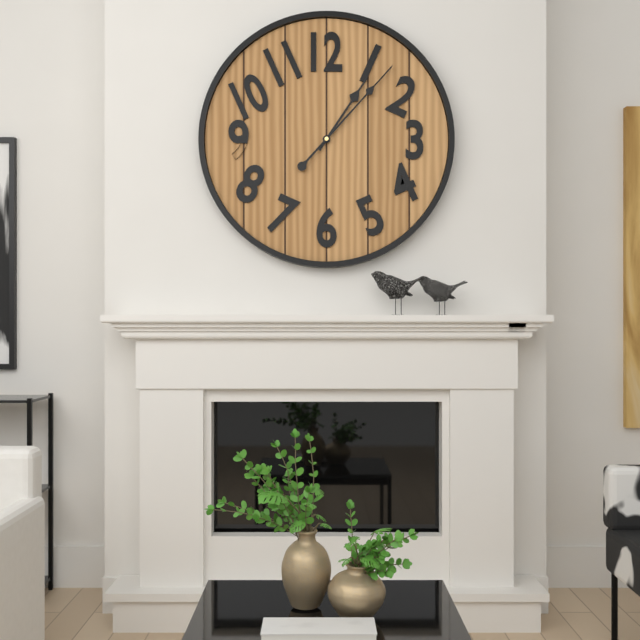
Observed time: 1:07
